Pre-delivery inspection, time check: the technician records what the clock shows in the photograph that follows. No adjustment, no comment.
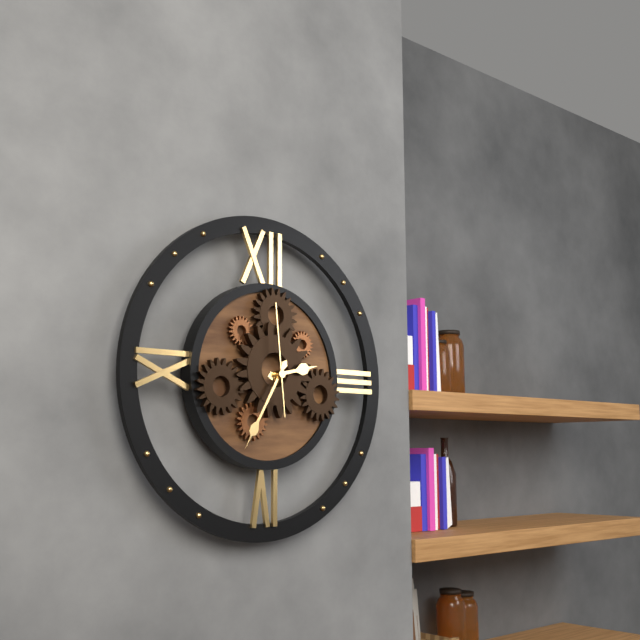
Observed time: 2:35:59
